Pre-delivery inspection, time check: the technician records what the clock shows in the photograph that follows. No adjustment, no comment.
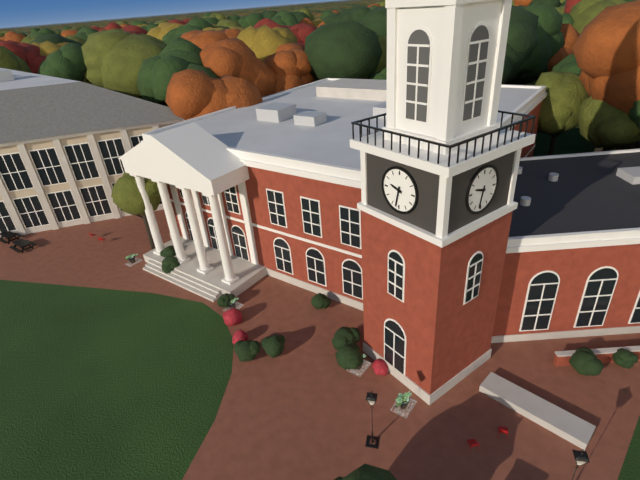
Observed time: 9:32
